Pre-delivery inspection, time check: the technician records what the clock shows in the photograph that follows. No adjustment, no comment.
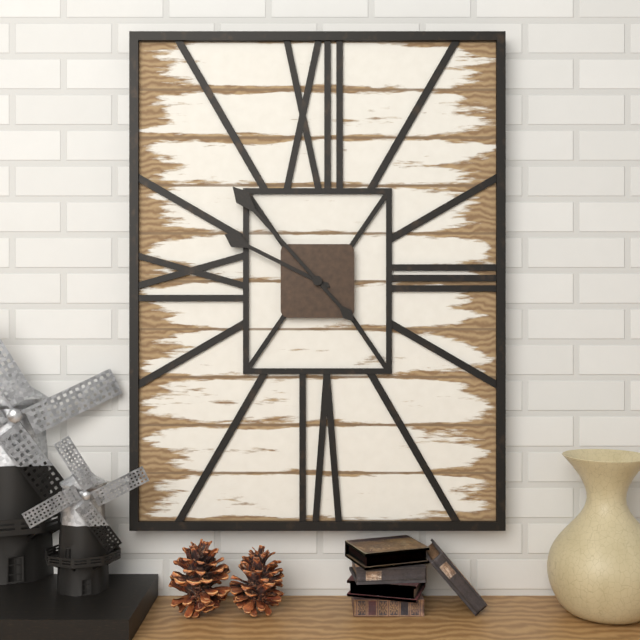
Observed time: 9:53
